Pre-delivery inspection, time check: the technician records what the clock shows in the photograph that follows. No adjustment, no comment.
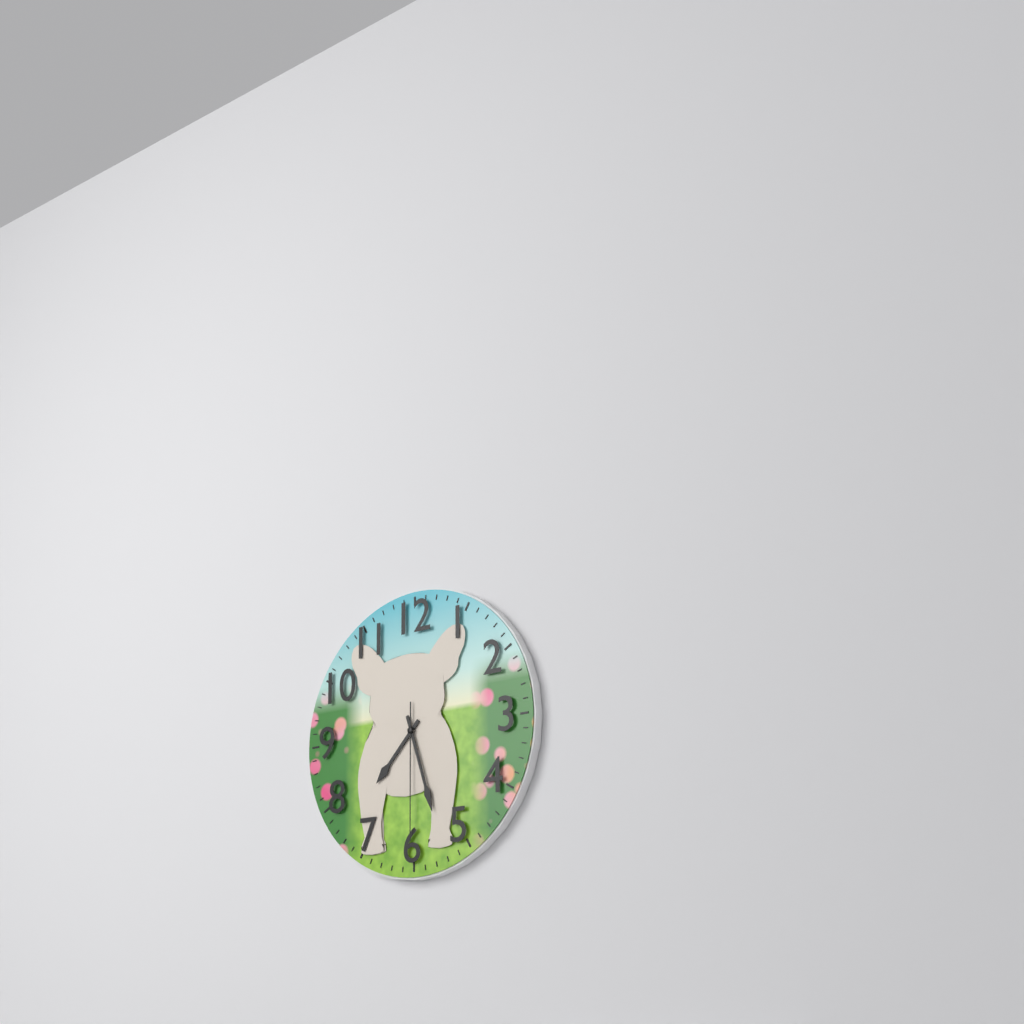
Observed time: 7:27:30
